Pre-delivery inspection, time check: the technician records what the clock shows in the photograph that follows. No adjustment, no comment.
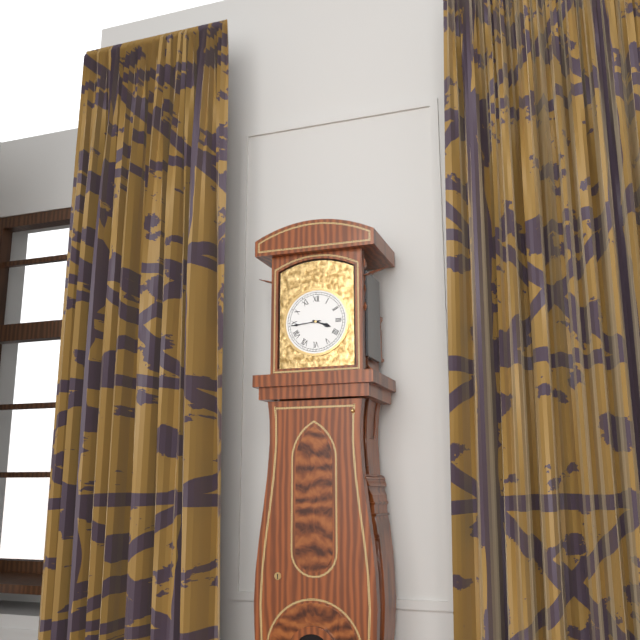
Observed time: 3:44
